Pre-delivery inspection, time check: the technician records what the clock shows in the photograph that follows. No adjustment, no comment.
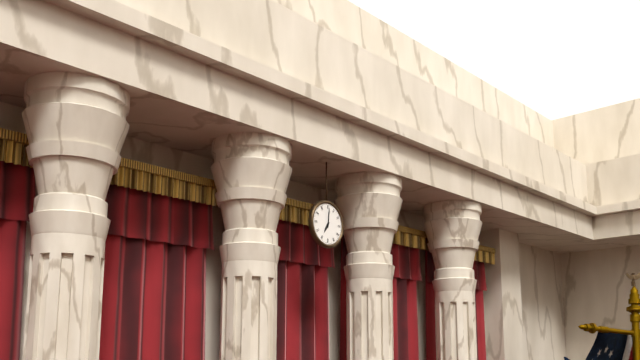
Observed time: 7:01
